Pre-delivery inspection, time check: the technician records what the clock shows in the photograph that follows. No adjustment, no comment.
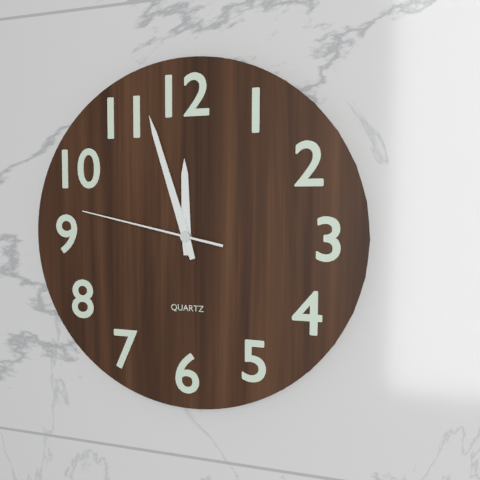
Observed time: 11:57:47
